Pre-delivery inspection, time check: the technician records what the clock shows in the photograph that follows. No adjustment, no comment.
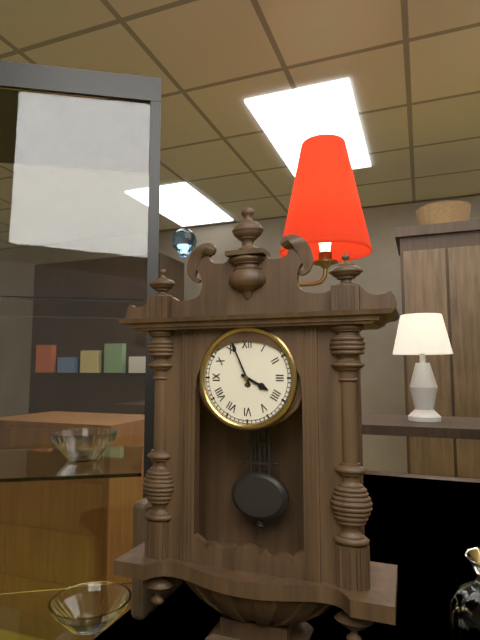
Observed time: 3:56
